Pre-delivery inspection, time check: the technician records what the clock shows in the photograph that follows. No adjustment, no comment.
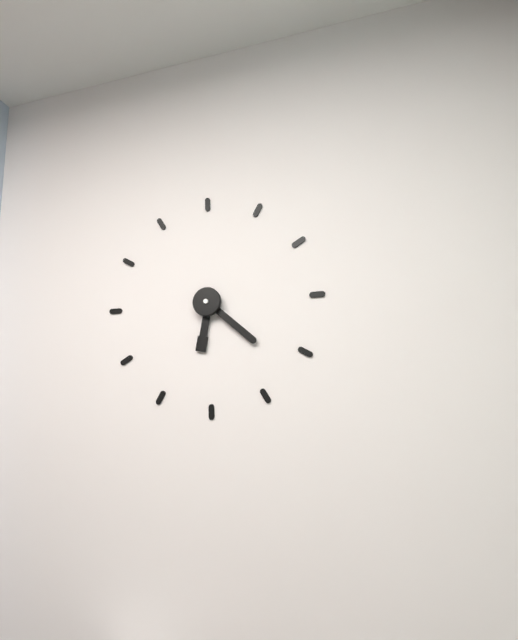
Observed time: 6:22
